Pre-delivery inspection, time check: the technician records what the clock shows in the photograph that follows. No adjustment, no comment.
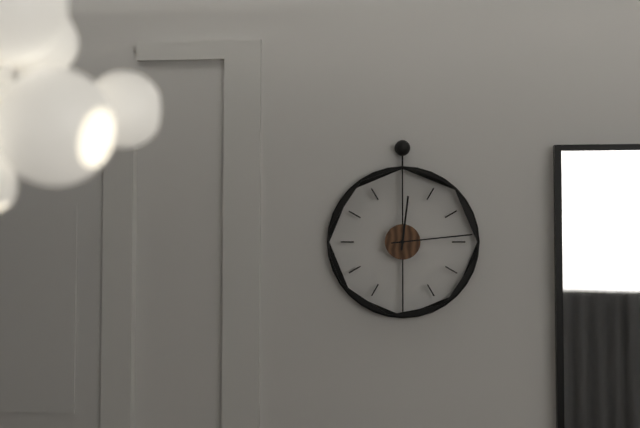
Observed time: 12:14
